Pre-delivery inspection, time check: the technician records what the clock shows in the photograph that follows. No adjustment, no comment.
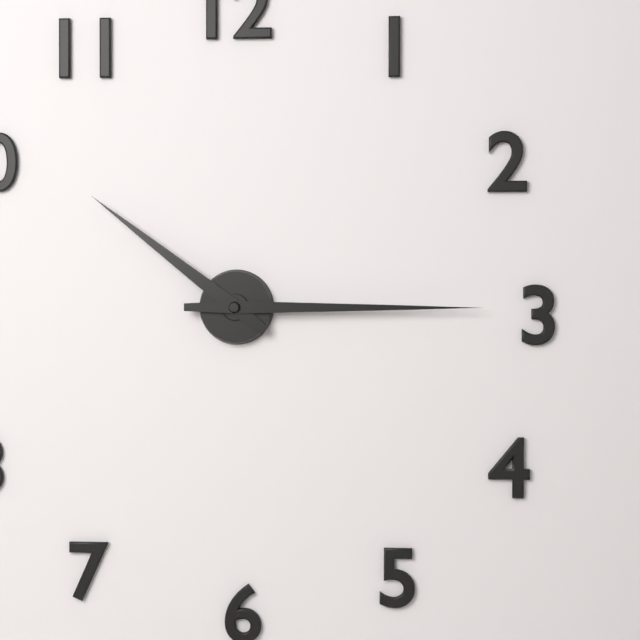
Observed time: 10:15
